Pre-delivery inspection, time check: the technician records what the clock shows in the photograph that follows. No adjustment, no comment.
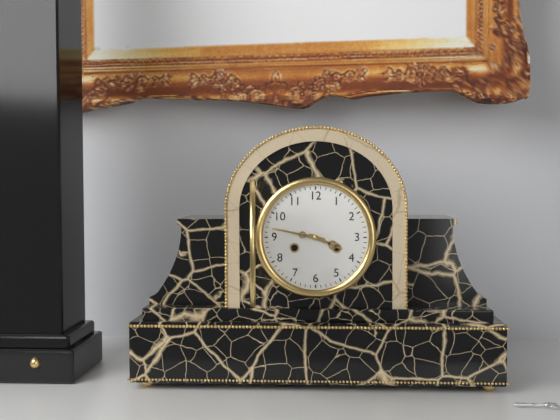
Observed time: 3:47
